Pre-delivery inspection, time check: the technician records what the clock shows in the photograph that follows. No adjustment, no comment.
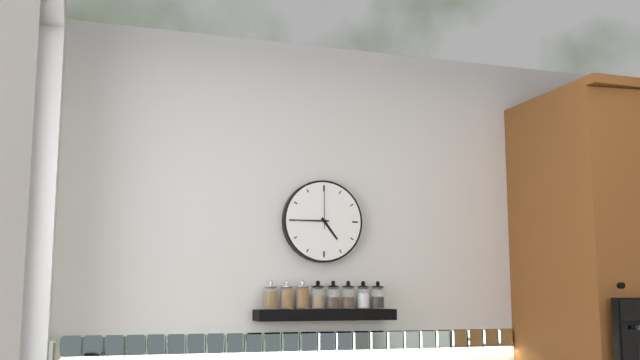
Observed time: 4:45
